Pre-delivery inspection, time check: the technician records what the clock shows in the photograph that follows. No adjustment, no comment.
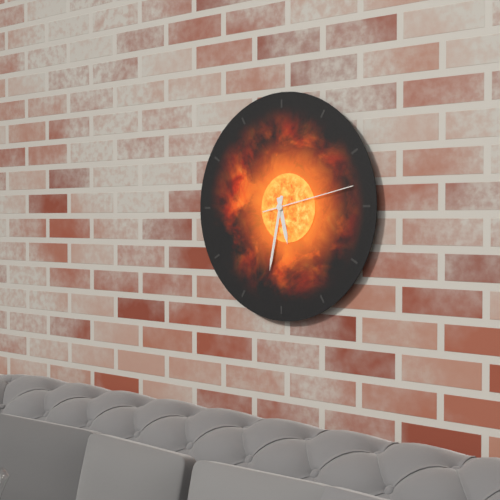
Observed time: 5:32:13
